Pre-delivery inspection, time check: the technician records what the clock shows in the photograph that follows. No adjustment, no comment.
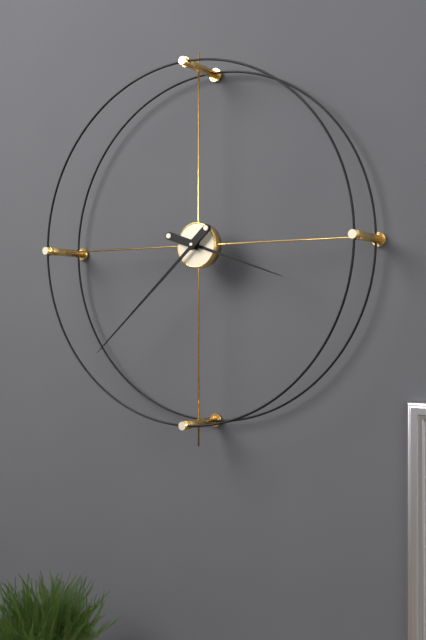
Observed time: 3:38
